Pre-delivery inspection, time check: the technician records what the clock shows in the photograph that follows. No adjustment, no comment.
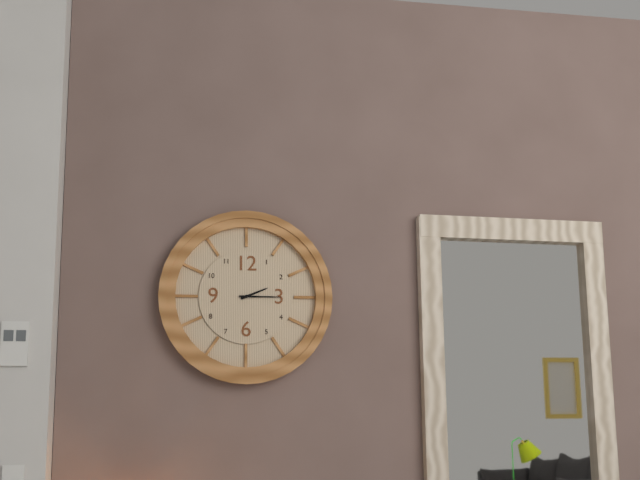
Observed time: 2:15
